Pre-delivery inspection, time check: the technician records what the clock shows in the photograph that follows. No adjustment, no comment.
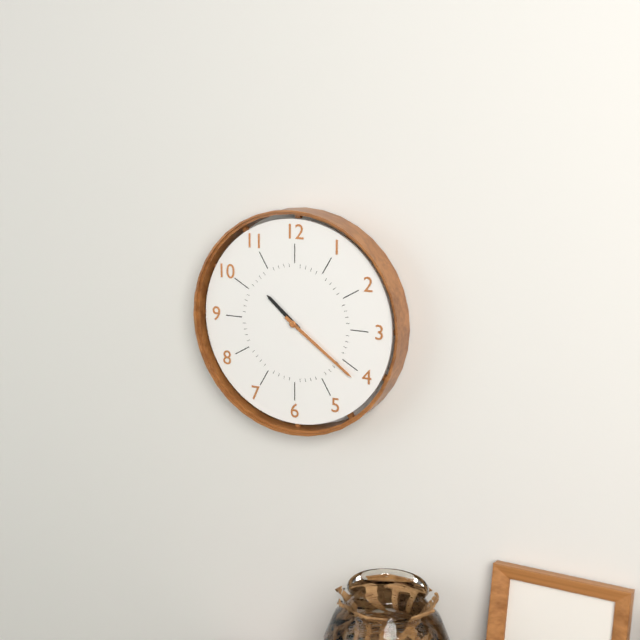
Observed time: 10:21
